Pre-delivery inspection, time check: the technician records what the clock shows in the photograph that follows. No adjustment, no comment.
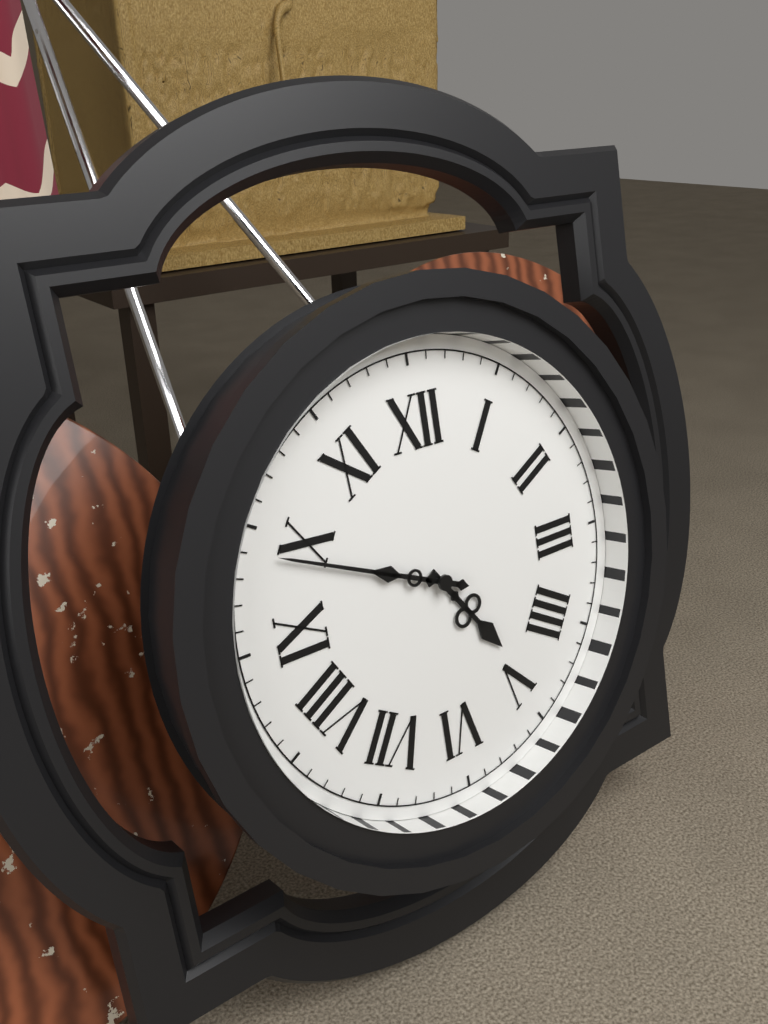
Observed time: 4:49
